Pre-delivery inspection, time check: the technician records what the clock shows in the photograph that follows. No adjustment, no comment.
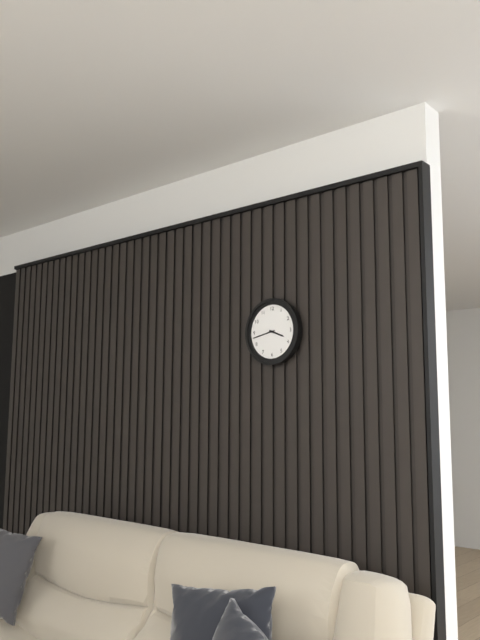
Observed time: 3:43
